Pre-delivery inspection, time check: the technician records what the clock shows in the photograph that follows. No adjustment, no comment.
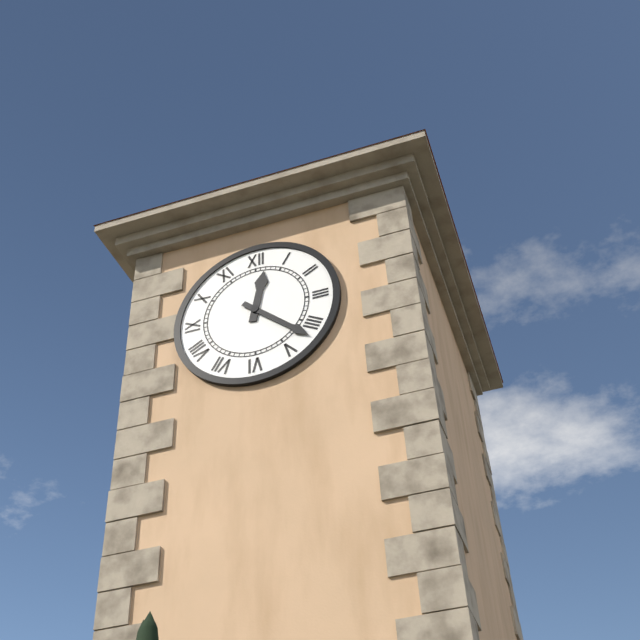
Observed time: 12:22
